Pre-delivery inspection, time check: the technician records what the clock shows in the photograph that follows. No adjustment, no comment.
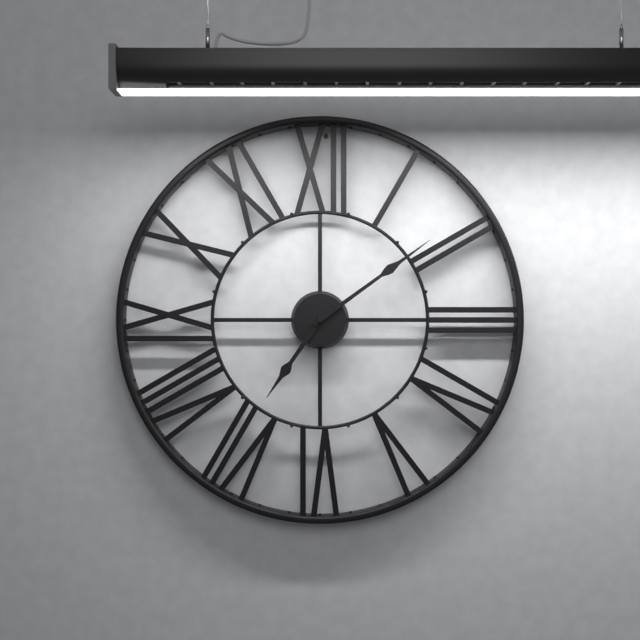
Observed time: 7:09
